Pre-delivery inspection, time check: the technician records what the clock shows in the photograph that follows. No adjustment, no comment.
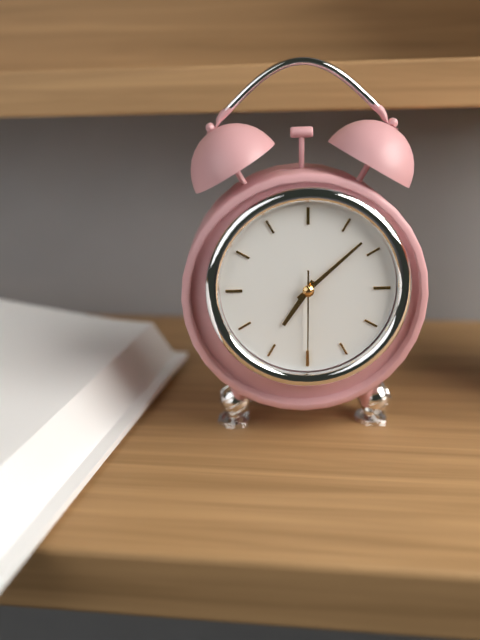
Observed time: 7:08:30
